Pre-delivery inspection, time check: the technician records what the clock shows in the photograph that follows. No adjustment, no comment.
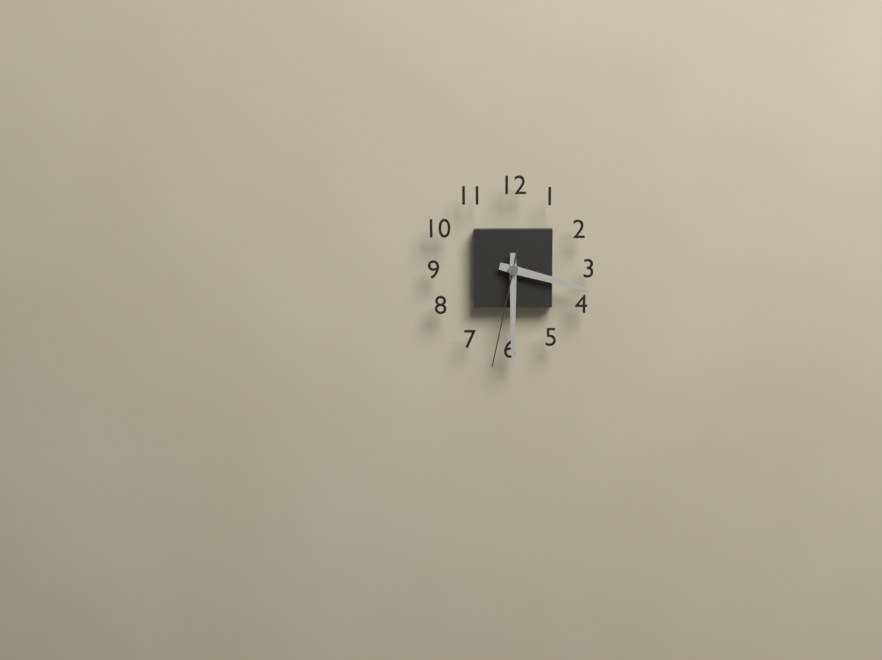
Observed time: 3:30:32
